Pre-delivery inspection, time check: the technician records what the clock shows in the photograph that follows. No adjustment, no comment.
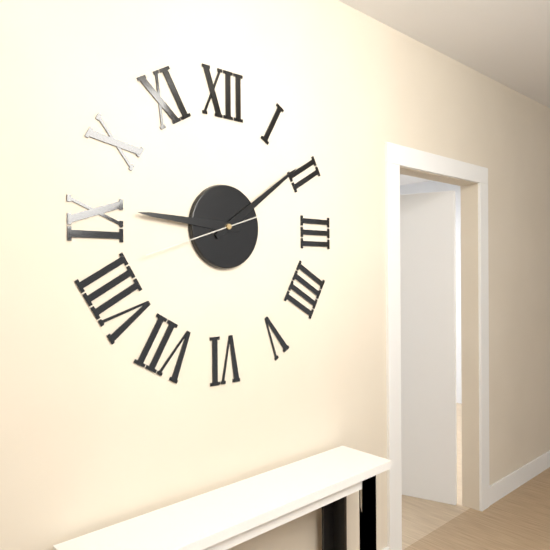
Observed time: 9:09:42
